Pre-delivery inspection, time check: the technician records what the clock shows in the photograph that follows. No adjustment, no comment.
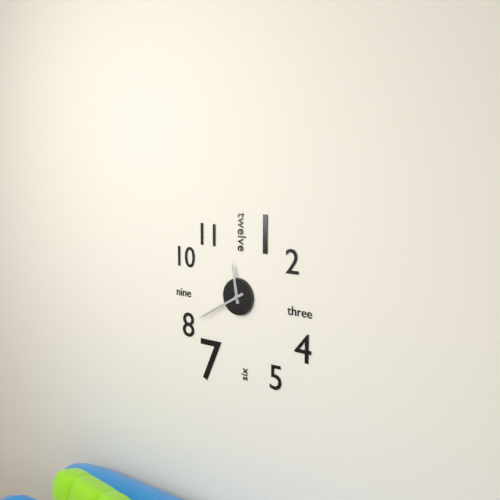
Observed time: 11:40
